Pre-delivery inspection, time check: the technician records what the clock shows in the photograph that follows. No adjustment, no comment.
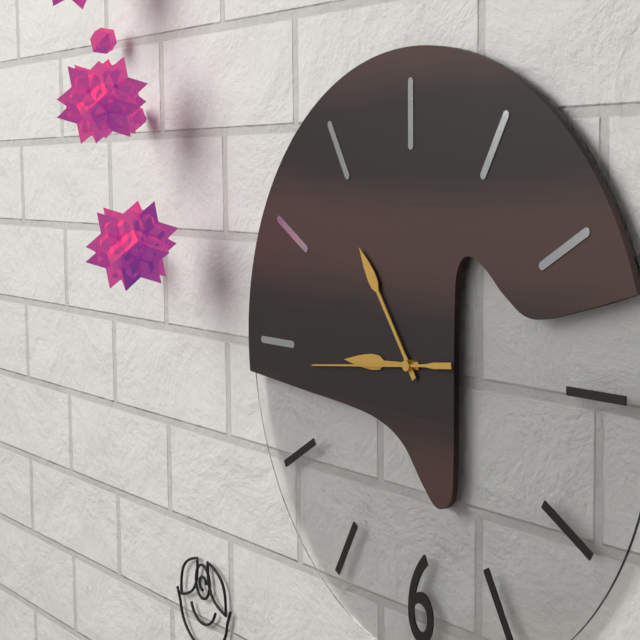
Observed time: 8:54:44
